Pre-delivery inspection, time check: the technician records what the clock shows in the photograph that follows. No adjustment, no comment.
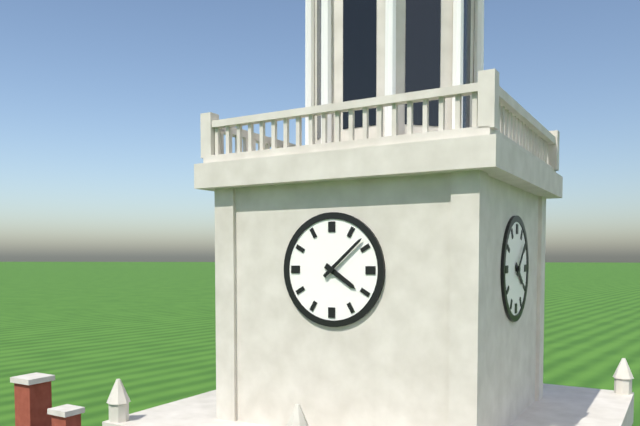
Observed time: 4:08
